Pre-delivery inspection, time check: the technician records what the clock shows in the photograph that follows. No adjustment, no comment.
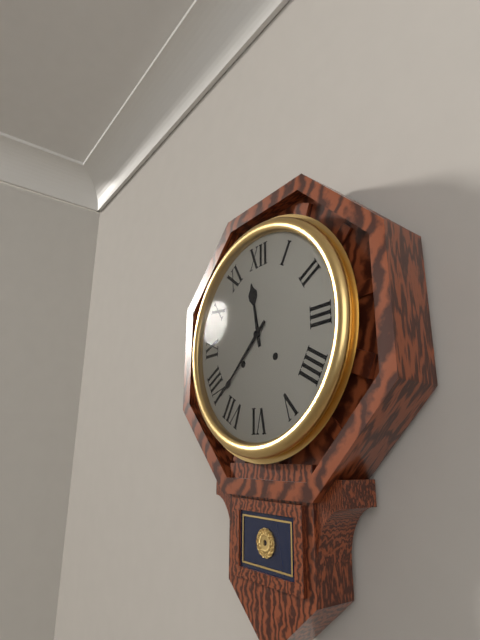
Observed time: 11:38
